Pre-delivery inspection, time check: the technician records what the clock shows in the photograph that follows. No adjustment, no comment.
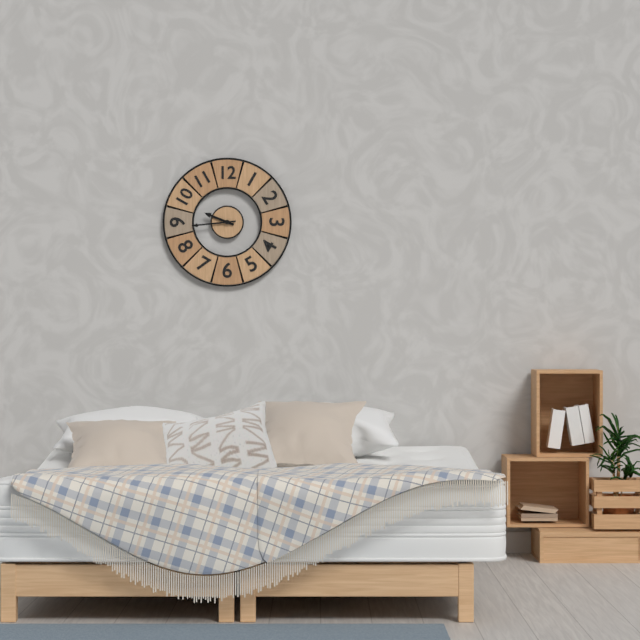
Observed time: 9:44
